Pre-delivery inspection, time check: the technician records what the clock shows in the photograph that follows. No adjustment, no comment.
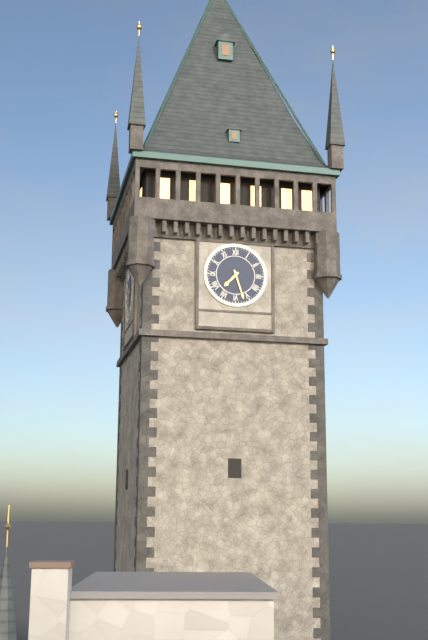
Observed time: 7:27
